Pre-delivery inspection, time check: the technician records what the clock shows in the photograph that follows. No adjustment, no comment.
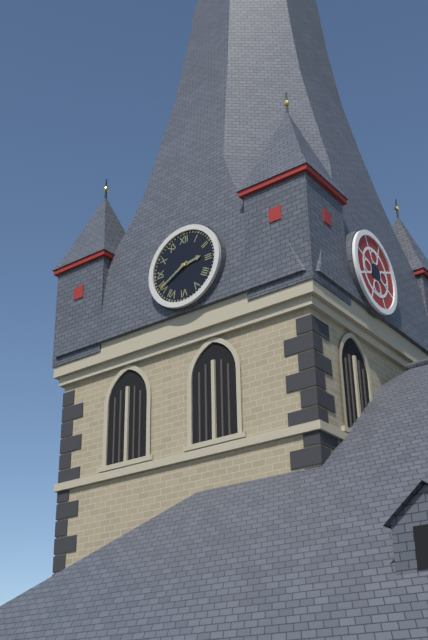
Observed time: 2:40
